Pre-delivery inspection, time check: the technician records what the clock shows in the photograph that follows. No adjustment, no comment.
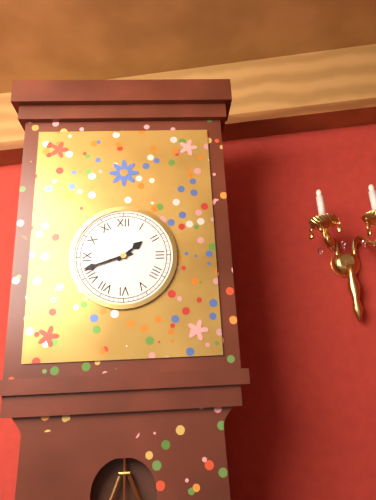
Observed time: 1:42
